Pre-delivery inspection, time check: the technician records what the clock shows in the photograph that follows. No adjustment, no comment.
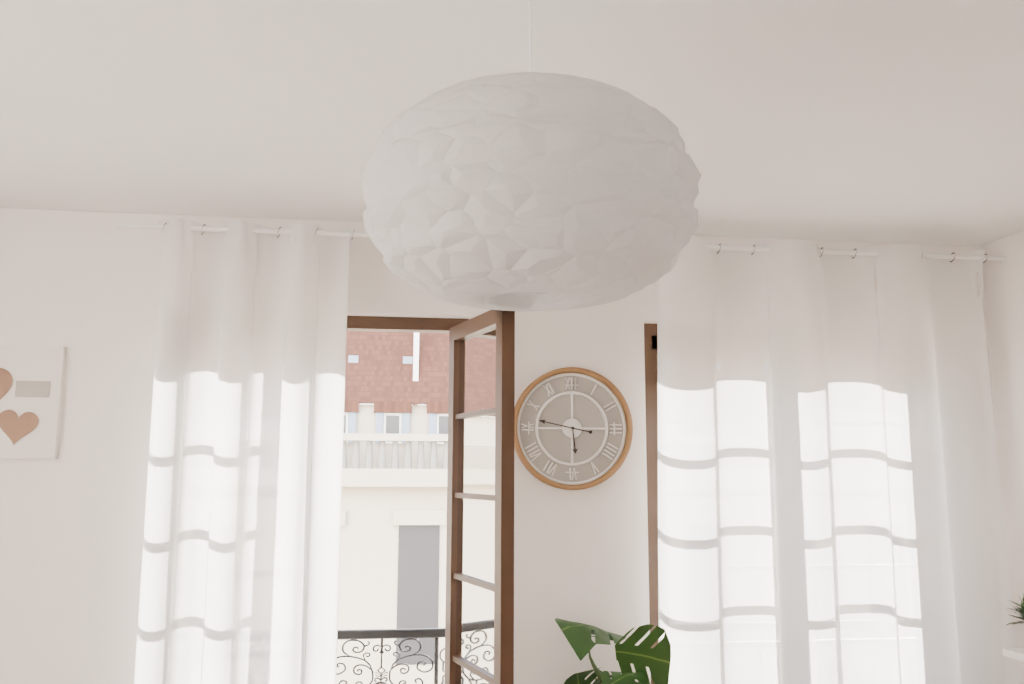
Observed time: 5:47
